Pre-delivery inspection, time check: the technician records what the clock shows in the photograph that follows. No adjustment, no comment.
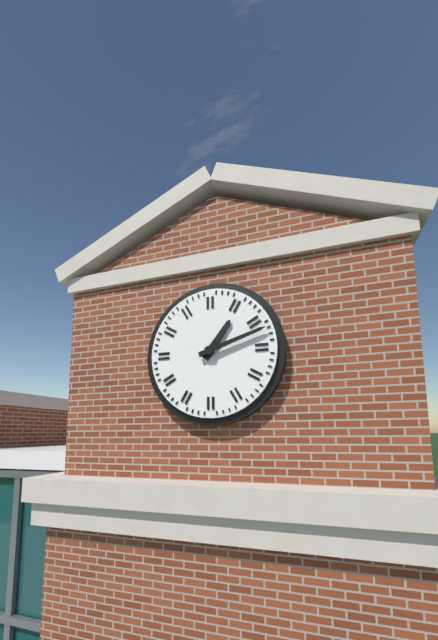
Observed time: 1:12
